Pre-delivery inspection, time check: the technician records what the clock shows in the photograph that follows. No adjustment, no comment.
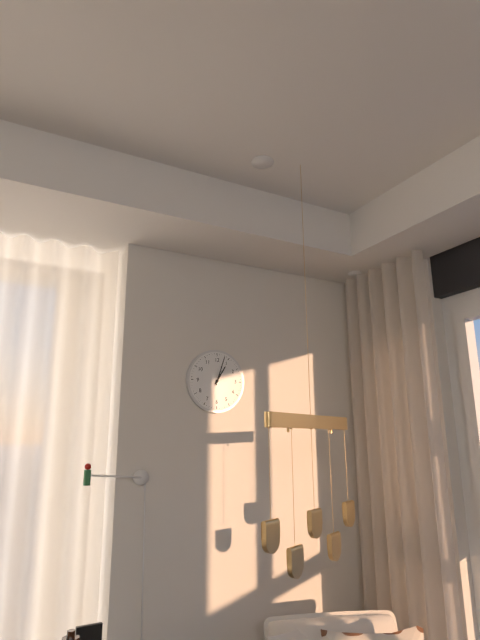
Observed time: 1:03
